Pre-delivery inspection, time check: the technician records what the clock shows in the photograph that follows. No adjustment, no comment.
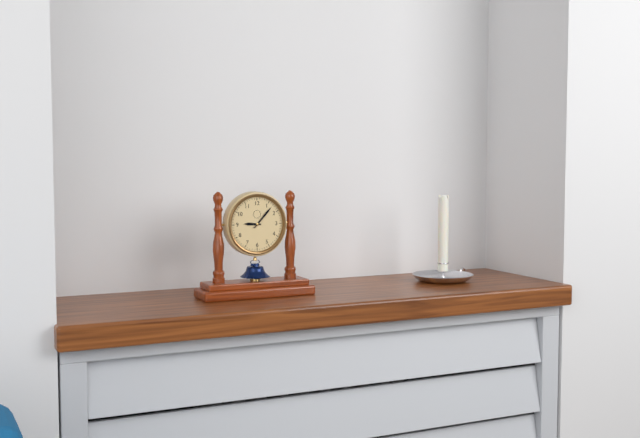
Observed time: 9:07
